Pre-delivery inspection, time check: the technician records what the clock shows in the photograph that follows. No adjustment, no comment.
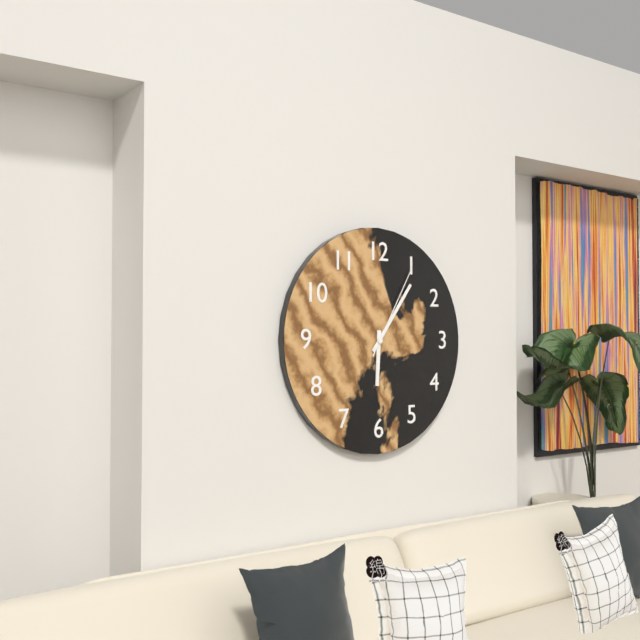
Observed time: 6:06:05
